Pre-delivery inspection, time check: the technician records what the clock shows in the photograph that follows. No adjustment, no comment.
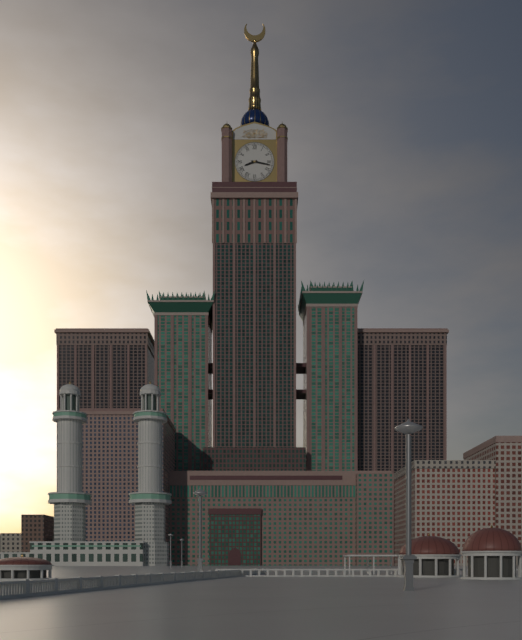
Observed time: 8:17
